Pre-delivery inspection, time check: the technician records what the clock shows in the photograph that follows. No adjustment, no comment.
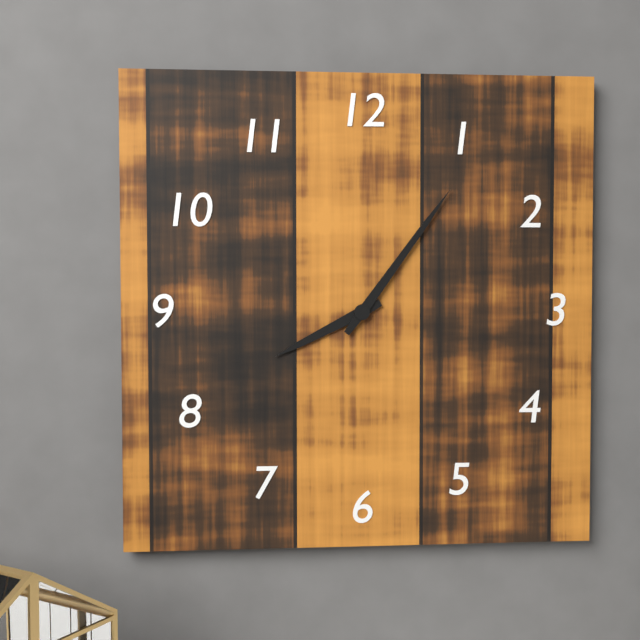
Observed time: 8:06
